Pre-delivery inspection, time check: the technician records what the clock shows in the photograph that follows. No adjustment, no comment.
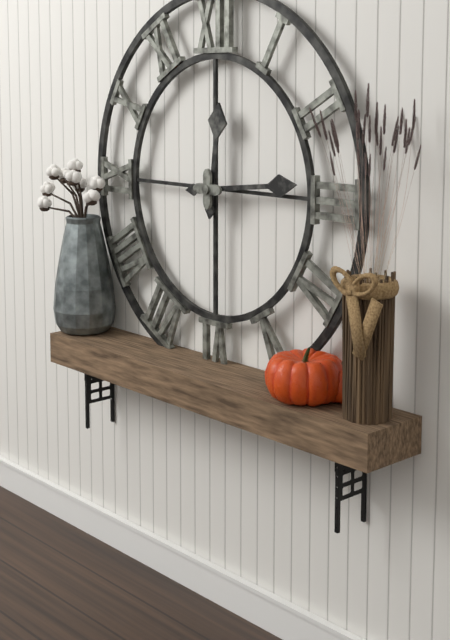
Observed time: 12:14
